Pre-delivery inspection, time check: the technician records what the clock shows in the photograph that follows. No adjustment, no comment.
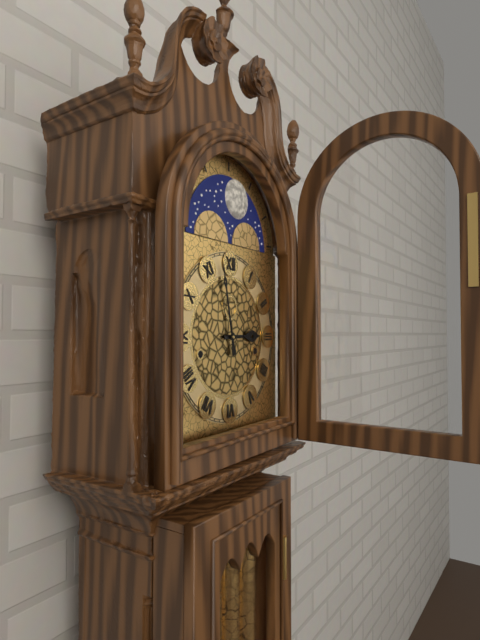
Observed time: 2:58
